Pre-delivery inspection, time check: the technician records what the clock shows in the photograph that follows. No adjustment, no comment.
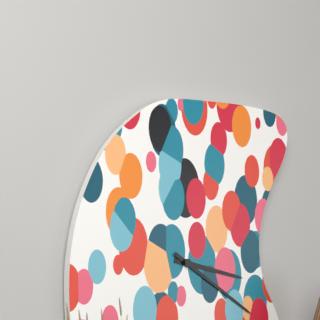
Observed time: 3:20
